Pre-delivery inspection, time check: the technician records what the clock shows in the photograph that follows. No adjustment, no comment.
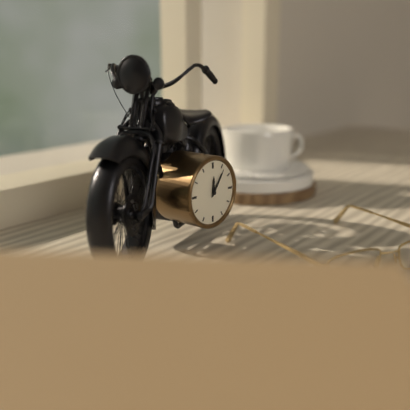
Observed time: 12:06
